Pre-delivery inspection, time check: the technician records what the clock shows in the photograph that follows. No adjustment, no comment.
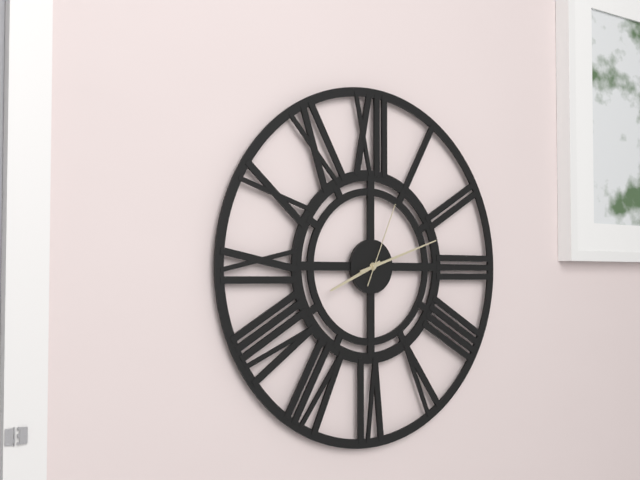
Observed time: 8:12:04
